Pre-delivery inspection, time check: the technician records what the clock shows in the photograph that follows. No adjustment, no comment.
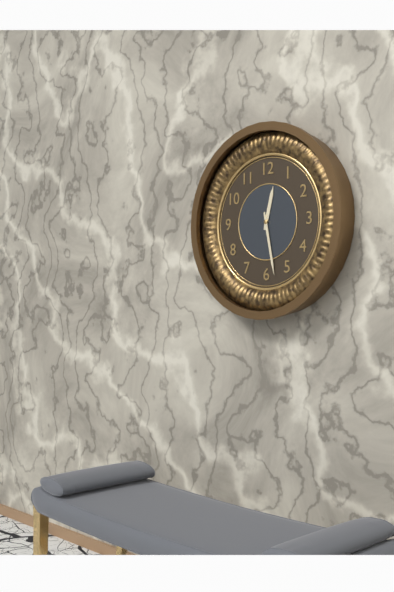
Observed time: 12:28
